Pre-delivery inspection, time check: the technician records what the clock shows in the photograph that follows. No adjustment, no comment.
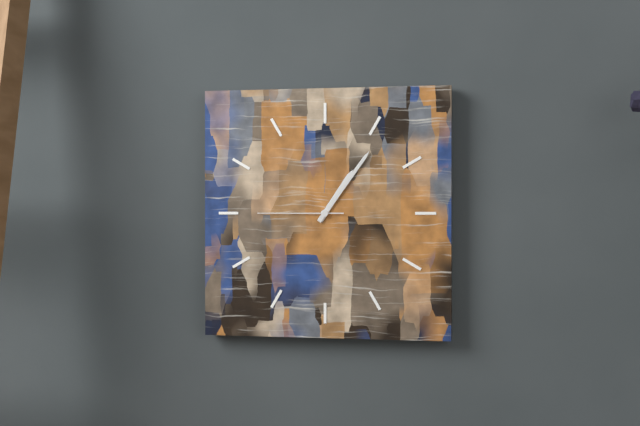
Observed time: 1:06:45
